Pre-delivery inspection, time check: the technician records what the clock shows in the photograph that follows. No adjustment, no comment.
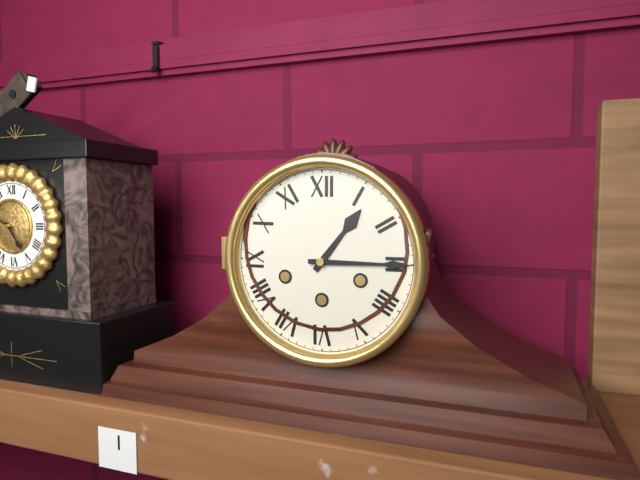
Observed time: 1:15
